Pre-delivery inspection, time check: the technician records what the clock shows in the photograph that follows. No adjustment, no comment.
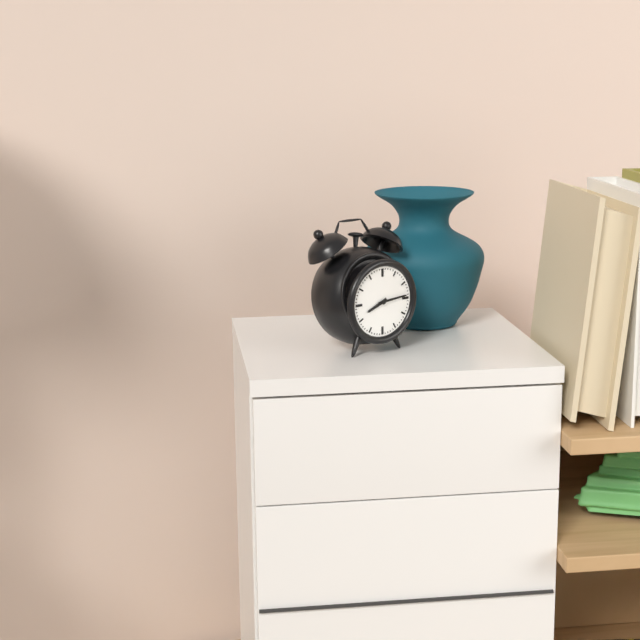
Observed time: 8:14
